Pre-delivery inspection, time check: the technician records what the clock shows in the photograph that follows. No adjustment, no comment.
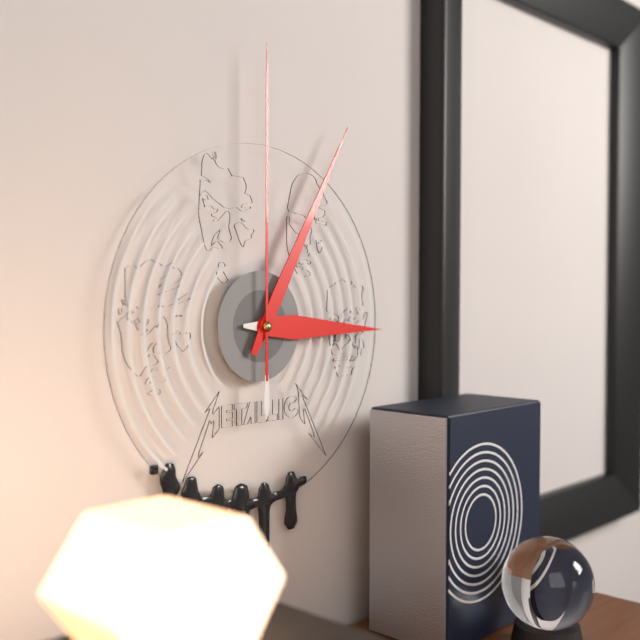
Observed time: 3:05:00
